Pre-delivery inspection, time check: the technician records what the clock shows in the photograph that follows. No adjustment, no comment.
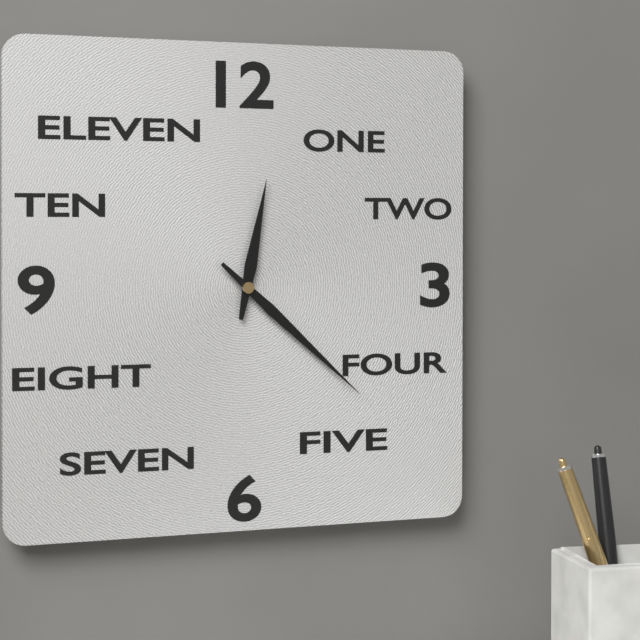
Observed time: 12:22
